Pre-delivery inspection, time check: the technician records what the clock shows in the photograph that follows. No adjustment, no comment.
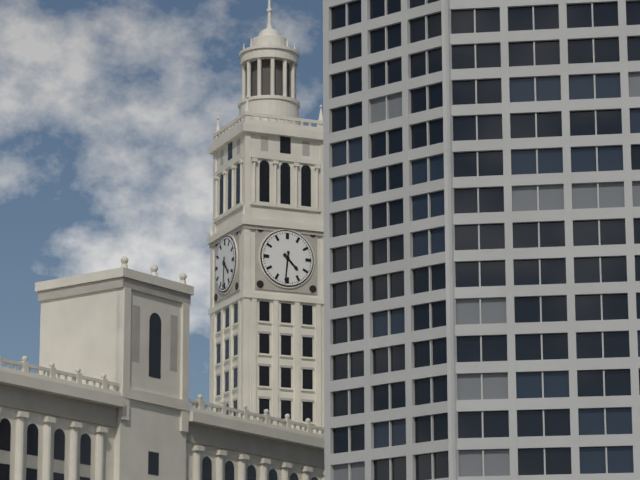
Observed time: 4:31
